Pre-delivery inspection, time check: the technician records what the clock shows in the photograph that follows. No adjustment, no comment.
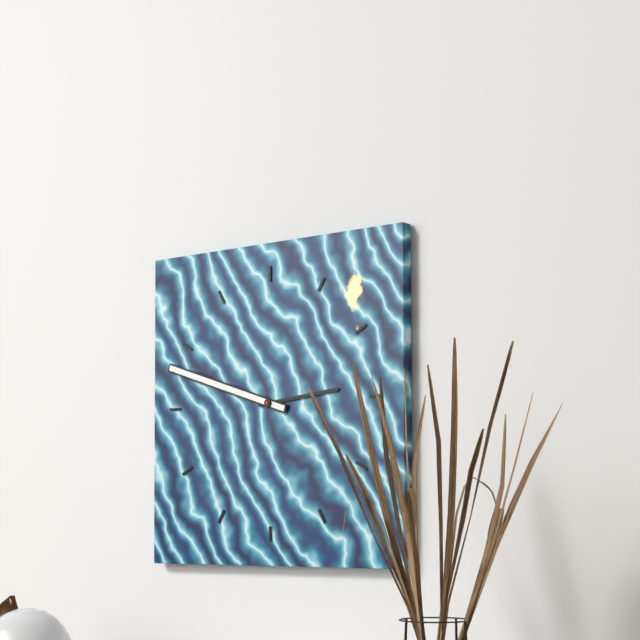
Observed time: 2:48
